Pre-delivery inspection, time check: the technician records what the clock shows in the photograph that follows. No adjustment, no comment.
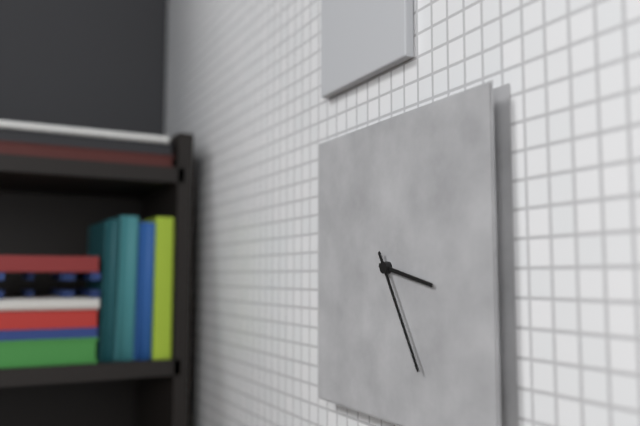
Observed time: 3:25
